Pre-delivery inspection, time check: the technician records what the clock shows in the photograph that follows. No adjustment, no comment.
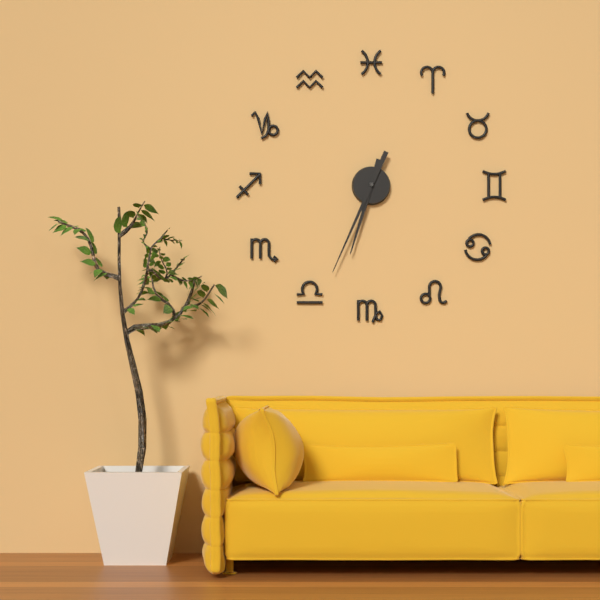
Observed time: 6:34
